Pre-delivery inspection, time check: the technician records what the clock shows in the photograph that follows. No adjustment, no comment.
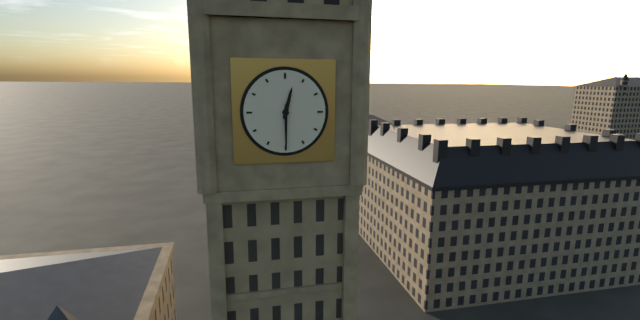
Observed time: 12:30
